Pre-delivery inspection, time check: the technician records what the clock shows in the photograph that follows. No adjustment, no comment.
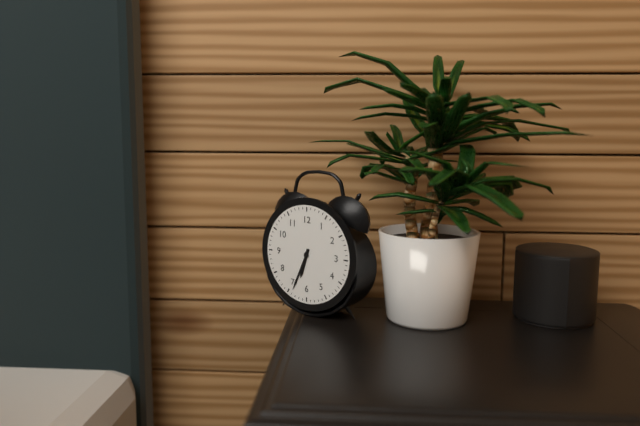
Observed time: 6:34
